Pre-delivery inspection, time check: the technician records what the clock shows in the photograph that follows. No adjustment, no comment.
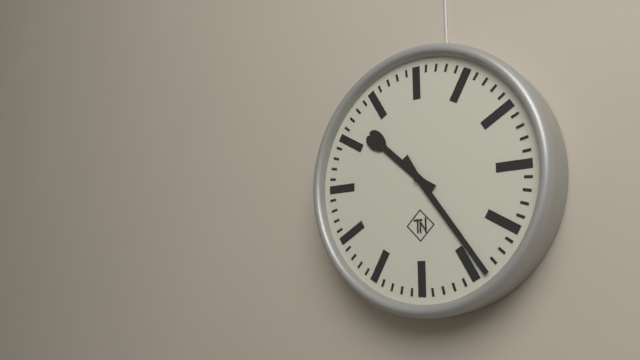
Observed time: 10:24
